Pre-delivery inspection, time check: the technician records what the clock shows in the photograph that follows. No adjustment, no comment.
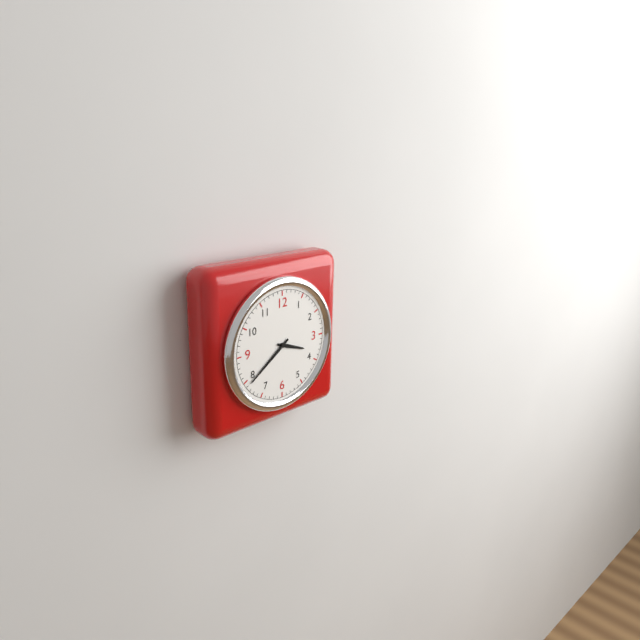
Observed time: 3:39
